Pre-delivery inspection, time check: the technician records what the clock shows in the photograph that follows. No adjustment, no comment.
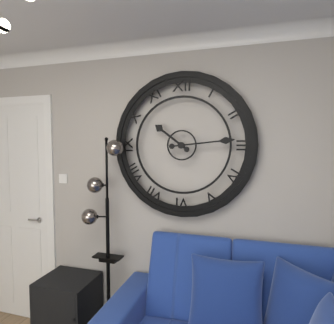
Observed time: 10:14
